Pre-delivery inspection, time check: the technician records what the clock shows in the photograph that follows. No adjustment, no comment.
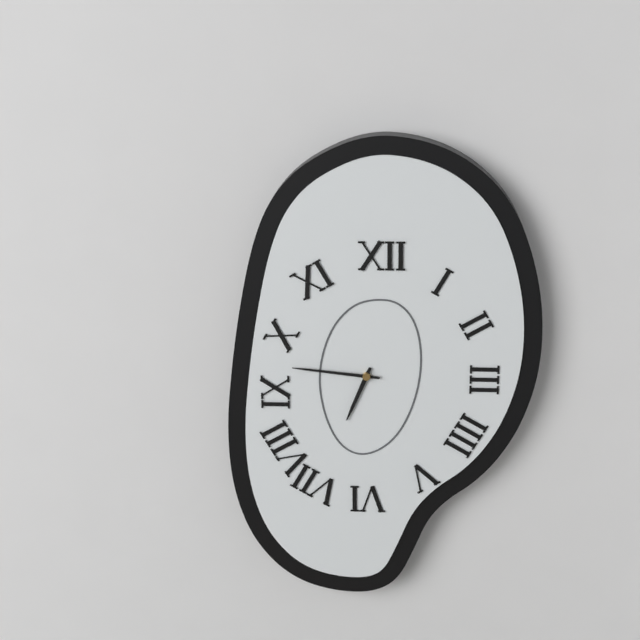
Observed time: 6:46
